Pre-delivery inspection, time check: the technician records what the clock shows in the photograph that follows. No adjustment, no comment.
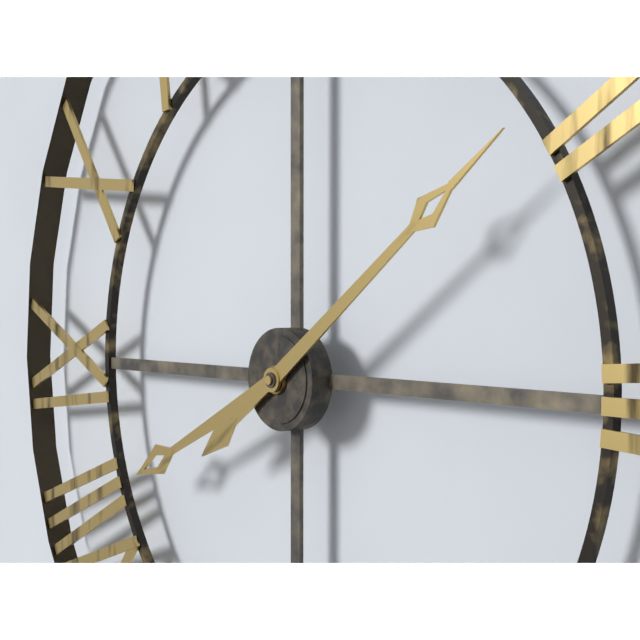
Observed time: 8:09
